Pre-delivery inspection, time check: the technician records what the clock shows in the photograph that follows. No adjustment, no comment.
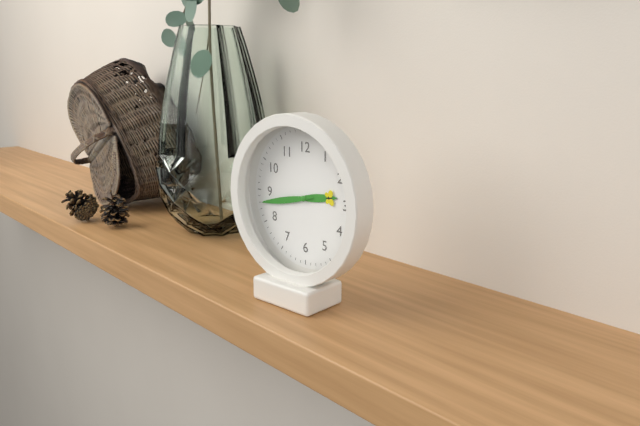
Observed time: 2:43
